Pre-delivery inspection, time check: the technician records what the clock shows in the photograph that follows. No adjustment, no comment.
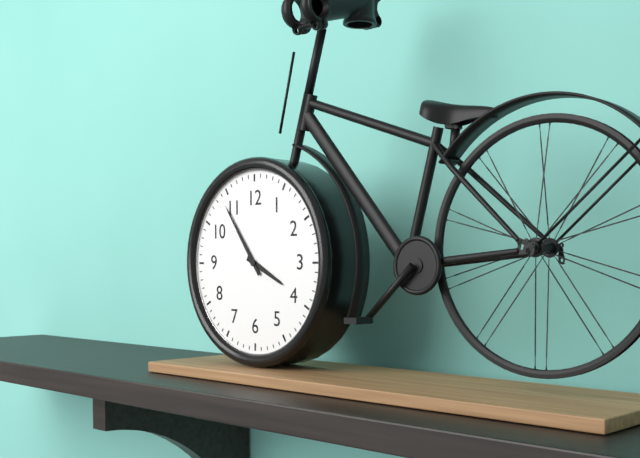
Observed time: 3:54
